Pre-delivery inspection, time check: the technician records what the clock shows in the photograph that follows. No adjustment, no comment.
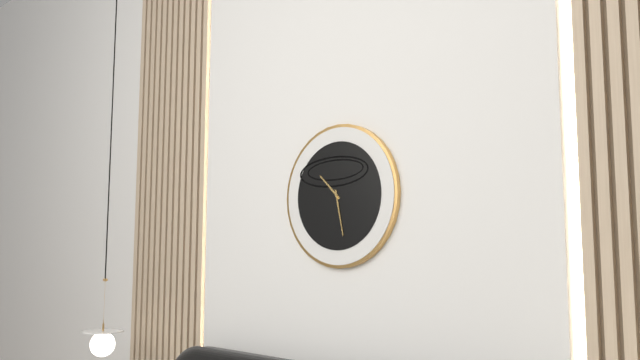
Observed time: 10:28
